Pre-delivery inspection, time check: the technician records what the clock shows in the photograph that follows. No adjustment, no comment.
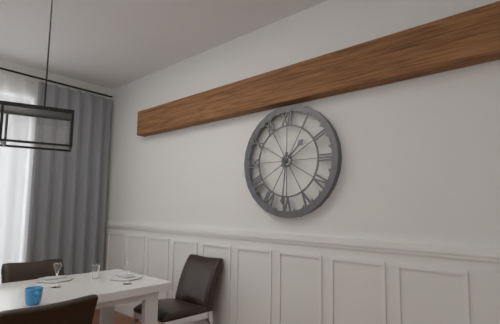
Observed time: 1:31
